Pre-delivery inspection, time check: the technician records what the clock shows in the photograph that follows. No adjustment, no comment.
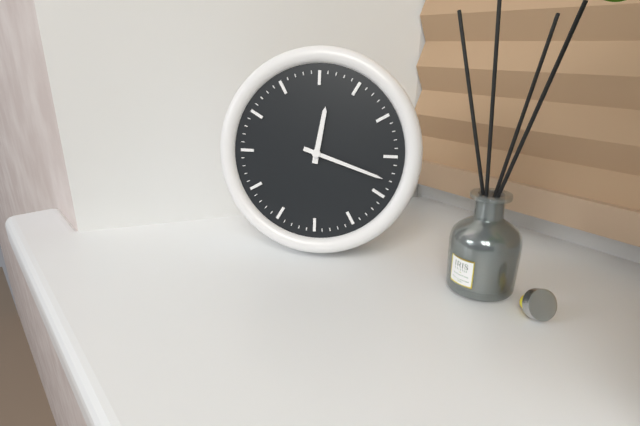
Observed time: 12:18
